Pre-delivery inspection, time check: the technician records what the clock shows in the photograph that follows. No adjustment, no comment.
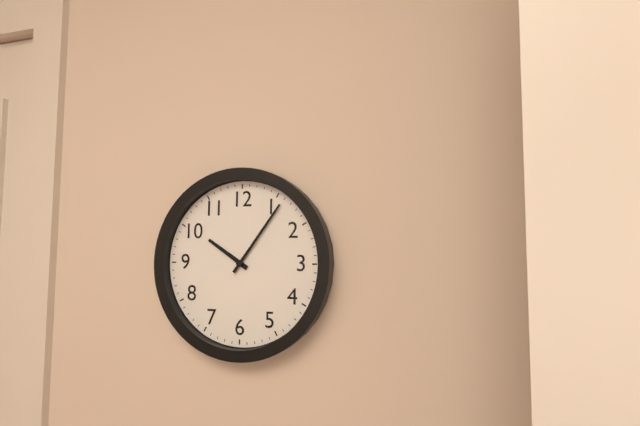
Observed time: 10:06
